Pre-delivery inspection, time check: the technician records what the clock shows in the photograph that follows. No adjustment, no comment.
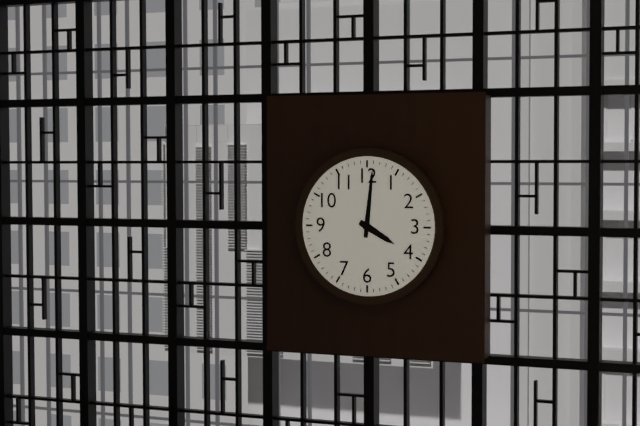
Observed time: 4:01
